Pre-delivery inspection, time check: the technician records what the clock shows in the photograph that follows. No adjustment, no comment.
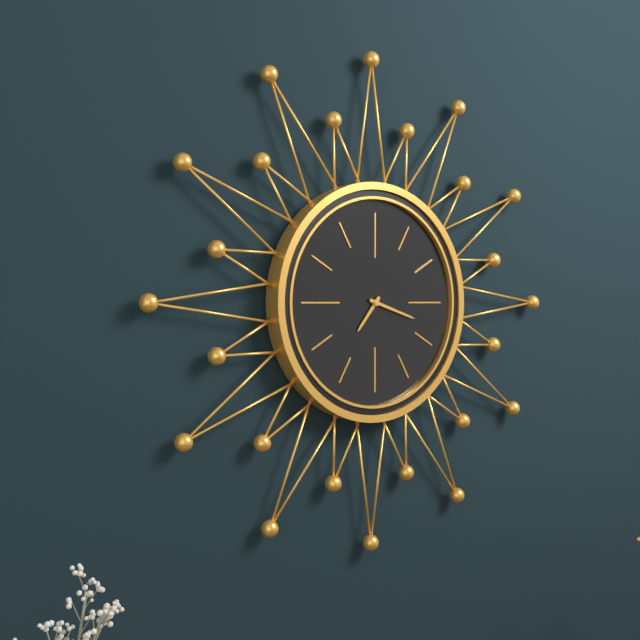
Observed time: 7:18
